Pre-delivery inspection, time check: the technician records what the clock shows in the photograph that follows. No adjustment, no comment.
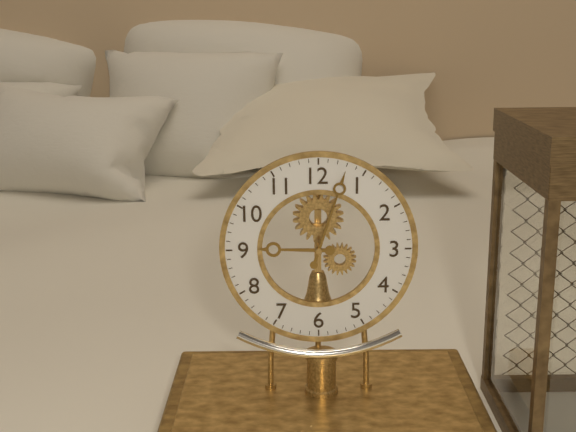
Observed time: 9:03
